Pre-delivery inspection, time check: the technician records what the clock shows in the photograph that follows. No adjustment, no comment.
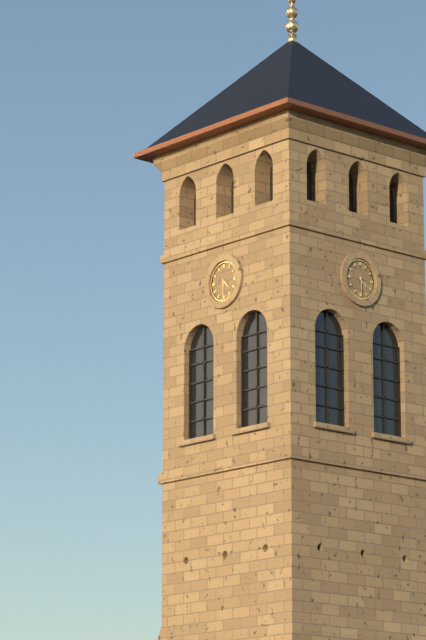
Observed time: 4:30
